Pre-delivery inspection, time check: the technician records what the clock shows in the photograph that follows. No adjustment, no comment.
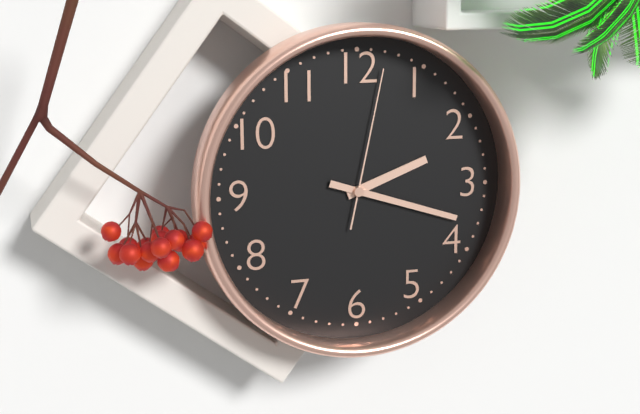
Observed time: 2:18:02
